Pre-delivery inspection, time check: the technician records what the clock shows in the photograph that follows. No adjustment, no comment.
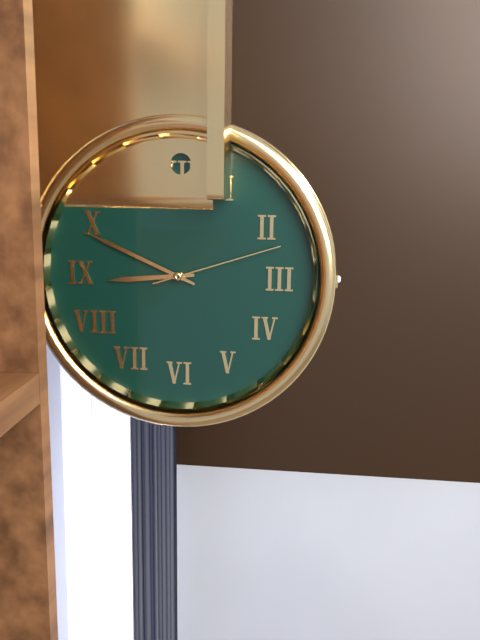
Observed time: 8:49:12
